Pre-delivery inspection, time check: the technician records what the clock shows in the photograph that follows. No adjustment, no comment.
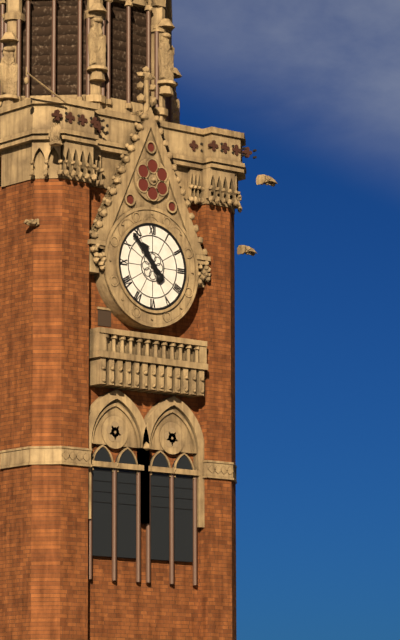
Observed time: 10:53
